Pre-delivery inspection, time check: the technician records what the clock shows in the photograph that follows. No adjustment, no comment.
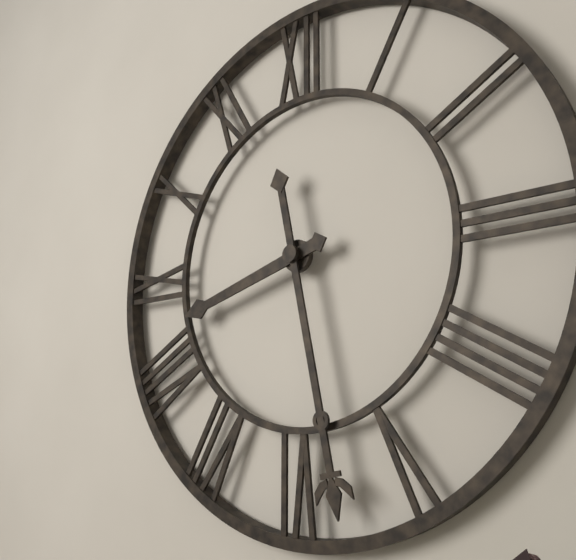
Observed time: 8:28
